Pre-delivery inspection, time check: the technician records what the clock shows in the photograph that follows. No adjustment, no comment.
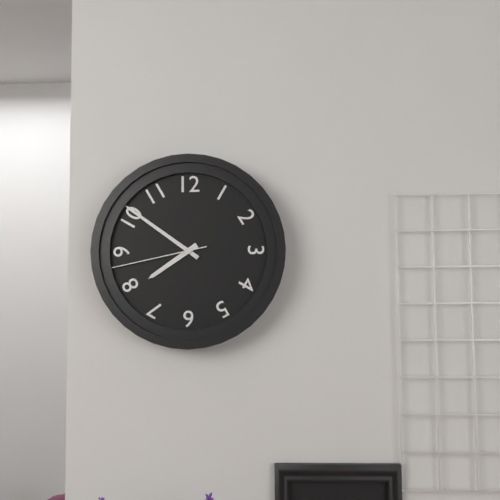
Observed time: 7:51:43
